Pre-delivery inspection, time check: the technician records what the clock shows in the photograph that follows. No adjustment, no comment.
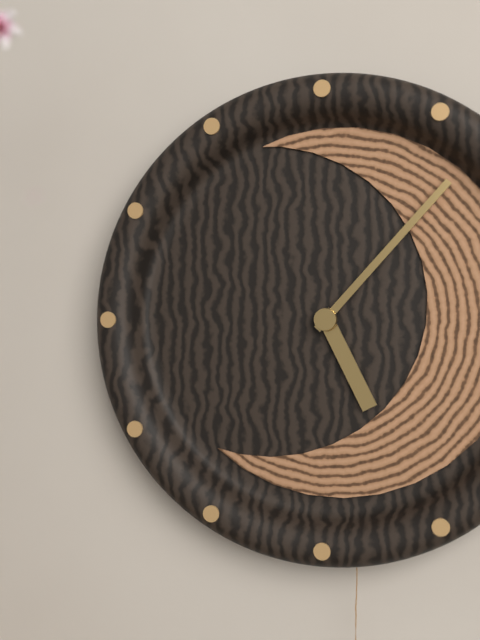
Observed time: 5:07
